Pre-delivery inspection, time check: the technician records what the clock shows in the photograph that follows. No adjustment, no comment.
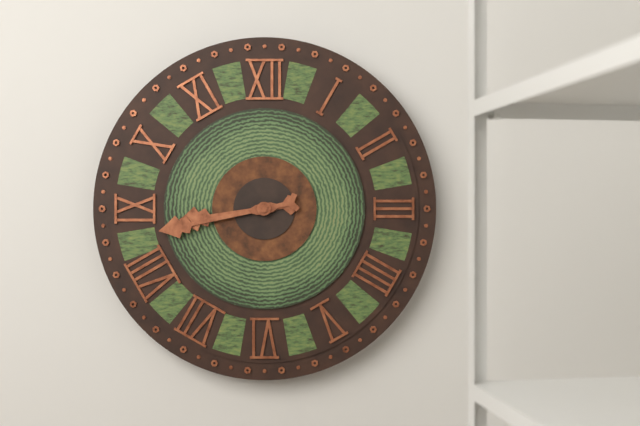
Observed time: 8:43
